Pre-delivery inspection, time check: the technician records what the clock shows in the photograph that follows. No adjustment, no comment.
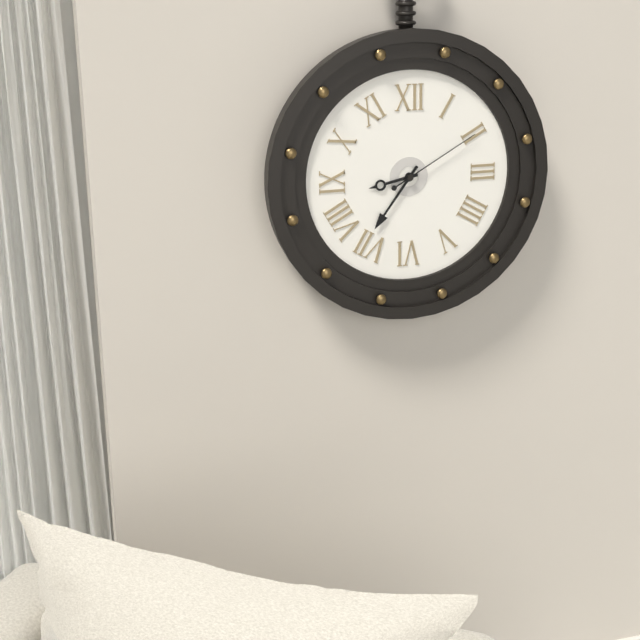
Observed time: 8:36:10
